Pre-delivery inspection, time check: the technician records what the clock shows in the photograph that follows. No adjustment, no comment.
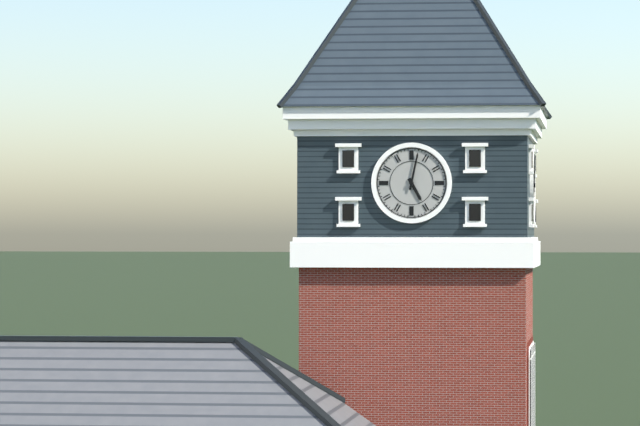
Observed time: 5:02
